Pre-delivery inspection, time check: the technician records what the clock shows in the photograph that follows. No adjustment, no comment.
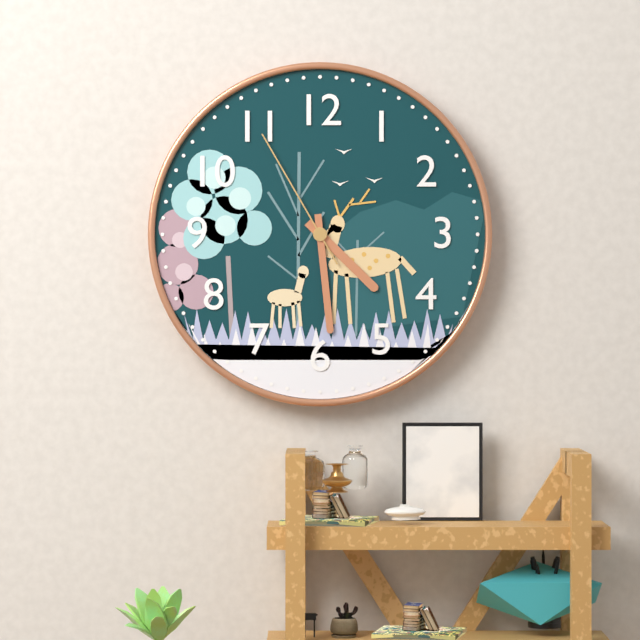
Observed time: 4:29:55
